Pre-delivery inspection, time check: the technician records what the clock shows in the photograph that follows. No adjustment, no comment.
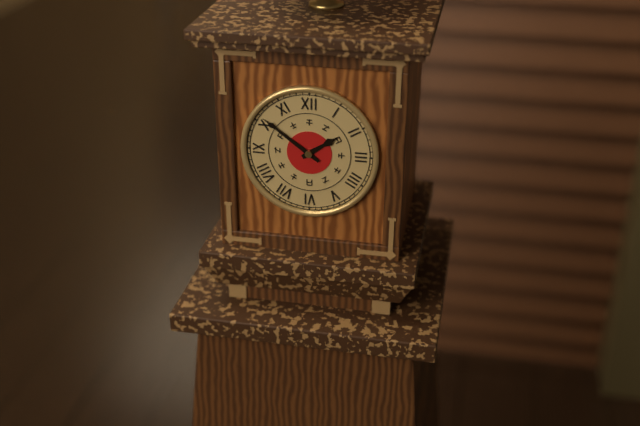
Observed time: 1:51
